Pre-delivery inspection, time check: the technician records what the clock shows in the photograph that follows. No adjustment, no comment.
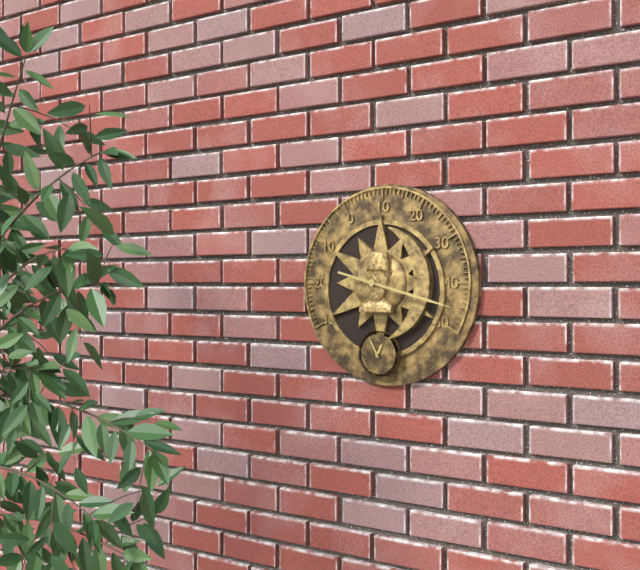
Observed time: 12:55
